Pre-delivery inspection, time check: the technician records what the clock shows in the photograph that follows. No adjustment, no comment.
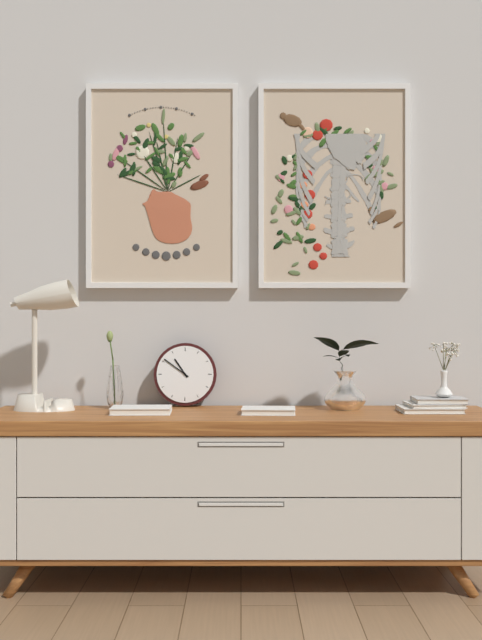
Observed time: 10:51
